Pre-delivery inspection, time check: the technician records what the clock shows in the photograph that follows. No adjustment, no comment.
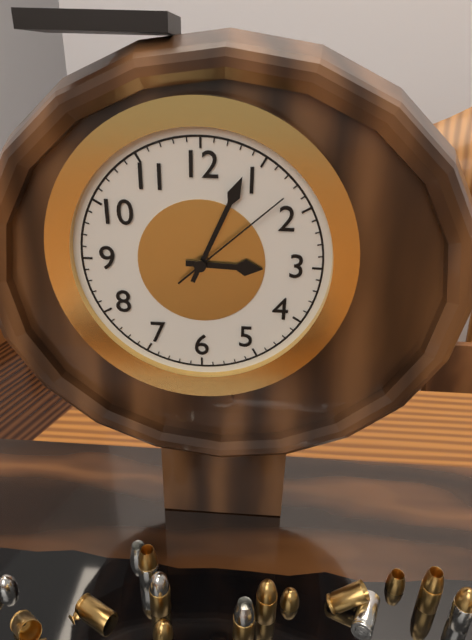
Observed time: 3:04:08
